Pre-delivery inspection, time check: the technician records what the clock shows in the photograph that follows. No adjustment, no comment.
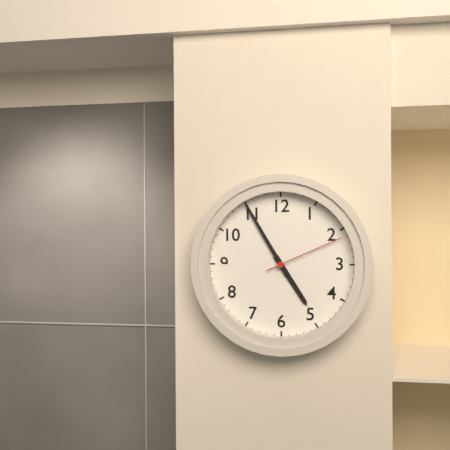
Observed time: 4:55:11
